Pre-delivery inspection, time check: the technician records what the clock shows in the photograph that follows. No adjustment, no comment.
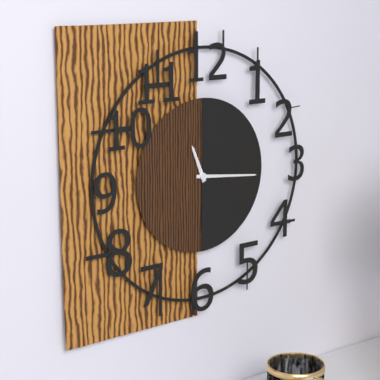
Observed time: 11:16
